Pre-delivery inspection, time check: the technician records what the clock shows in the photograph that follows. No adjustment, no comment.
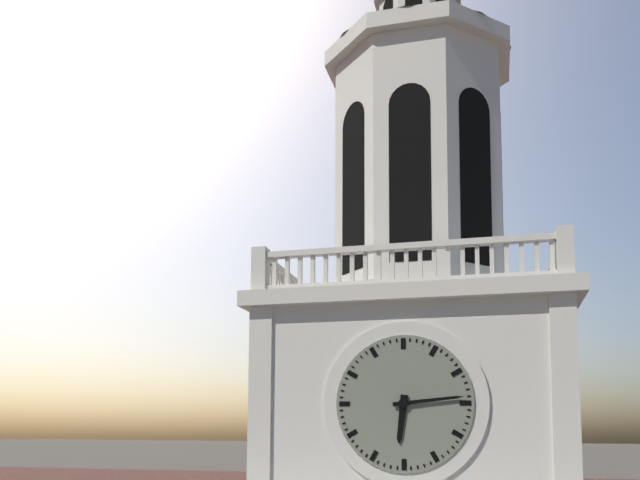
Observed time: 6:14
